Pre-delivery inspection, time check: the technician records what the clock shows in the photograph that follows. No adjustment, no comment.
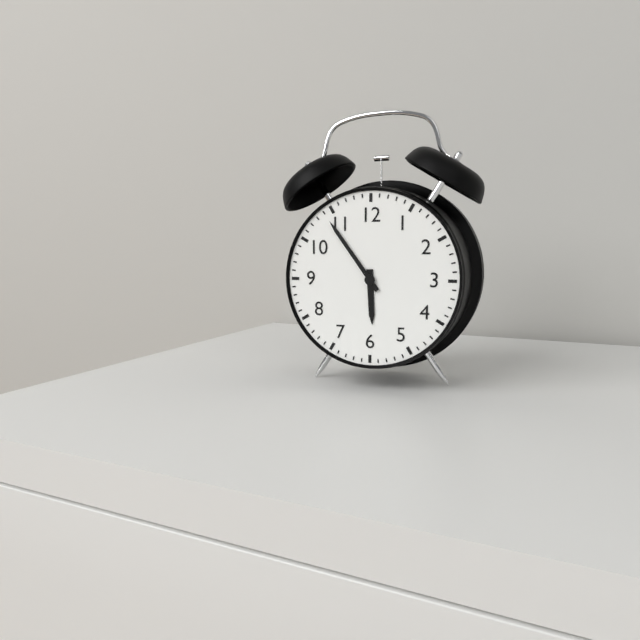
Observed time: 5:54
